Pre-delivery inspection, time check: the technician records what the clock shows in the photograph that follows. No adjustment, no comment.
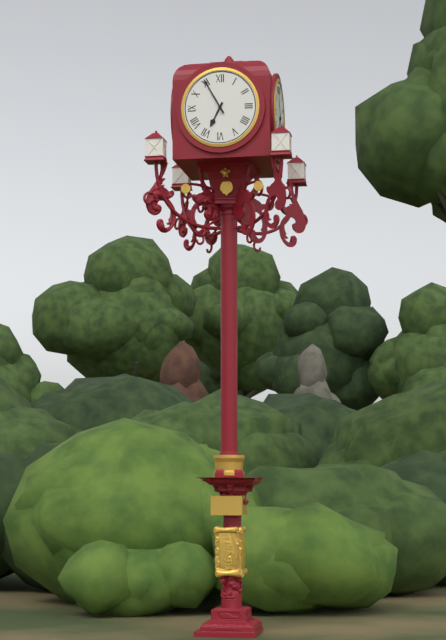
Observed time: 6:55
